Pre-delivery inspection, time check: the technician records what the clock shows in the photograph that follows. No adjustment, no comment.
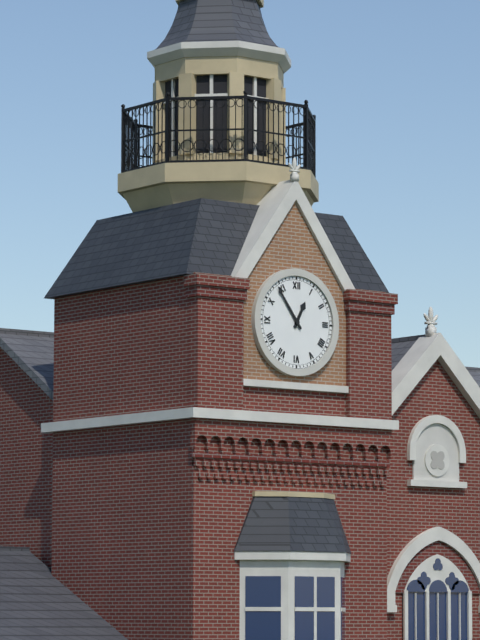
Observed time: 12:54
